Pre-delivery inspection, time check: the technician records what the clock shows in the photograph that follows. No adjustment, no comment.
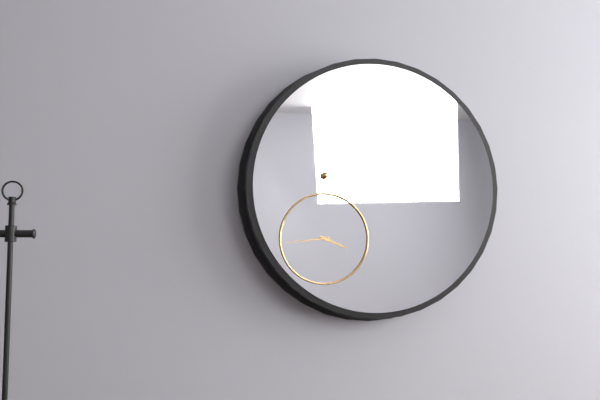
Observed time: 3:44
